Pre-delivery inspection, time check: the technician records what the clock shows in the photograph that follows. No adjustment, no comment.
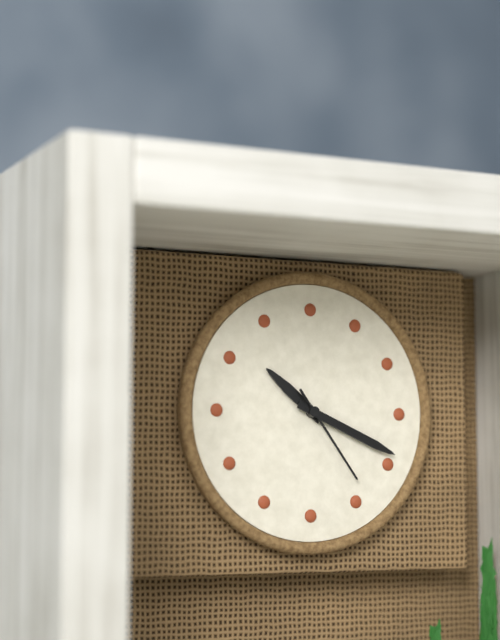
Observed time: 10:19:24
